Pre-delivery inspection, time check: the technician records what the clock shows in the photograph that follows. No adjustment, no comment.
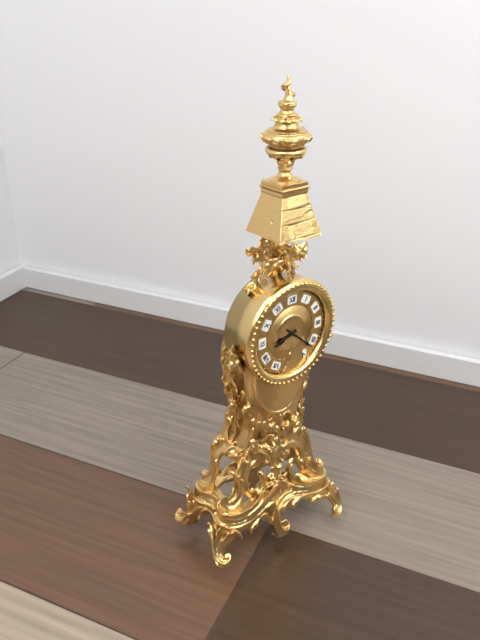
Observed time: 8:22
